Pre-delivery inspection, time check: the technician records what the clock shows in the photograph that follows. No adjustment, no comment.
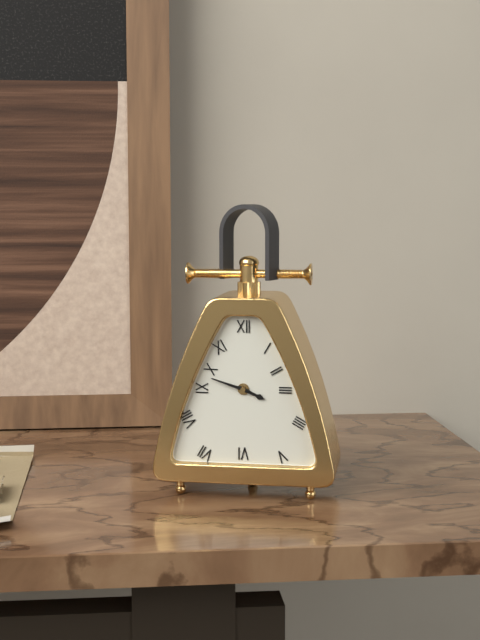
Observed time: 3:48
